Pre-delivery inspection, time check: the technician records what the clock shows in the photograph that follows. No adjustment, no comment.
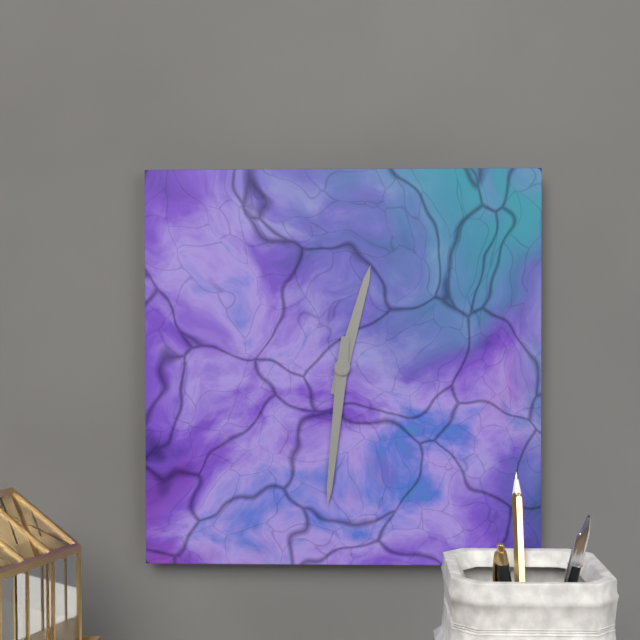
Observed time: 12:31
